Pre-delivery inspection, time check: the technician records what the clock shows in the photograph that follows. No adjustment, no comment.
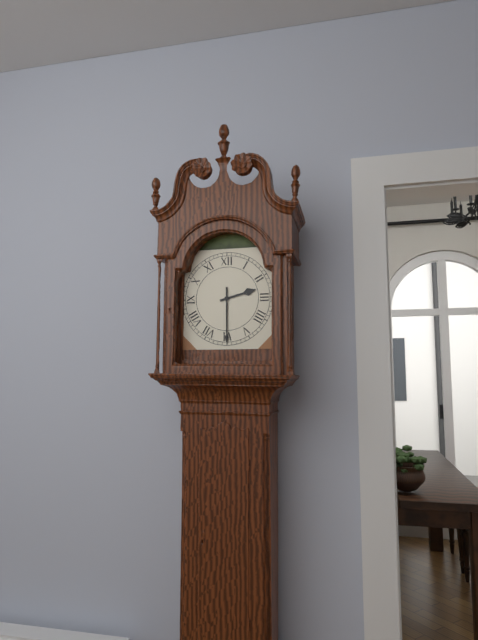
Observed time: 2:30
